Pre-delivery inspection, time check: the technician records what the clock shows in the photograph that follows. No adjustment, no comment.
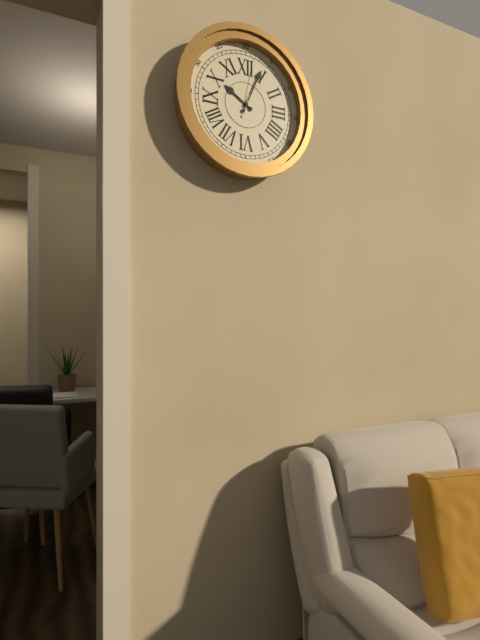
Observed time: 10:04:02
